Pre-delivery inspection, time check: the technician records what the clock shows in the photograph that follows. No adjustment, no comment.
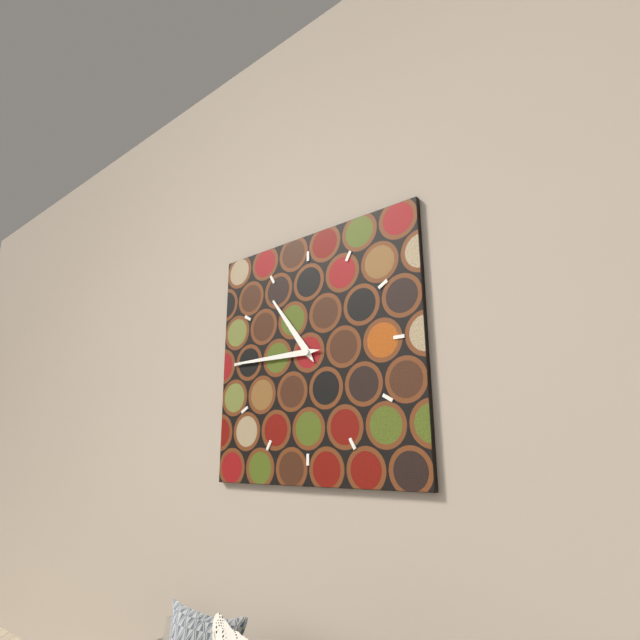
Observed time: 10:45
